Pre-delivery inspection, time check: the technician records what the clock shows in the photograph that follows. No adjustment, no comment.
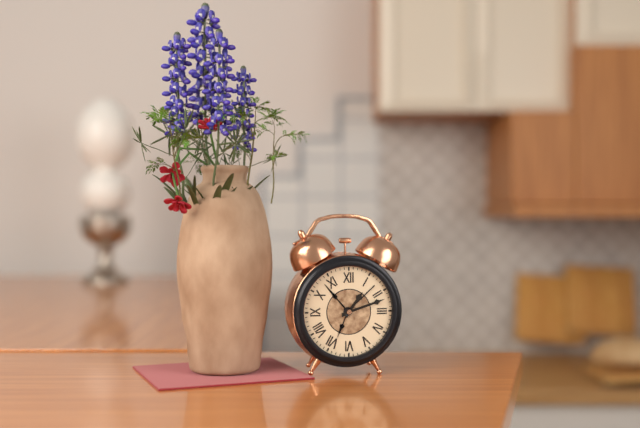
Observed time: 1:12
